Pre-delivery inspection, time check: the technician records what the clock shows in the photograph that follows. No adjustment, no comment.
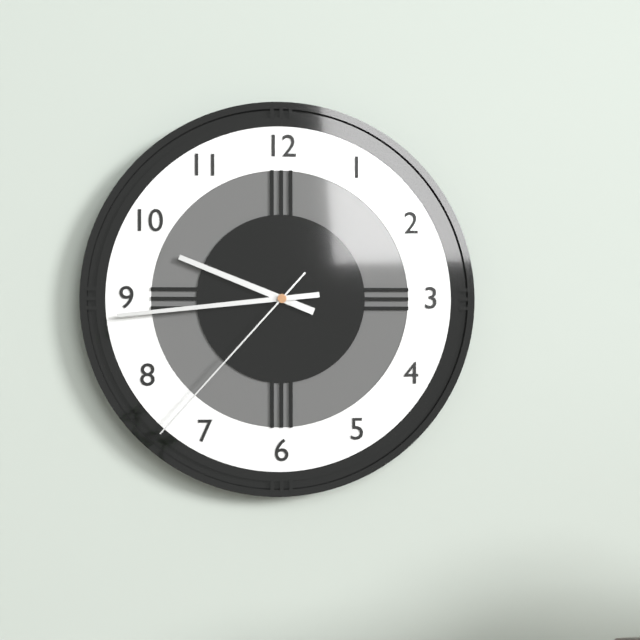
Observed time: 9:44:37
